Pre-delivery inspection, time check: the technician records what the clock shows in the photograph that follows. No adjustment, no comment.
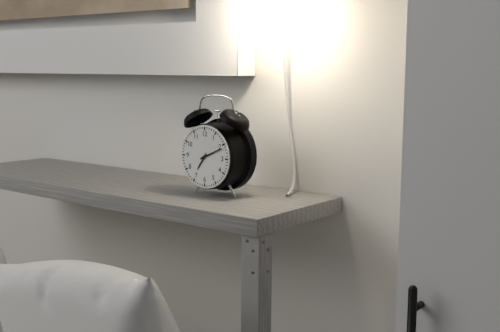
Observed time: 7:11
